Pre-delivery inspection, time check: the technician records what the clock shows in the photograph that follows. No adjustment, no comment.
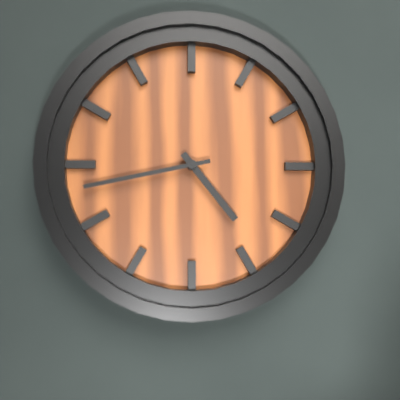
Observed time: 4:43
